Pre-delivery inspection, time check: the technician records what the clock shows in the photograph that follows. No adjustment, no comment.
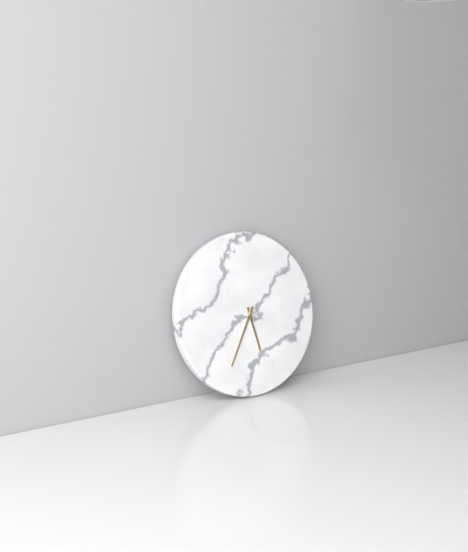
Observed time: 5:35
